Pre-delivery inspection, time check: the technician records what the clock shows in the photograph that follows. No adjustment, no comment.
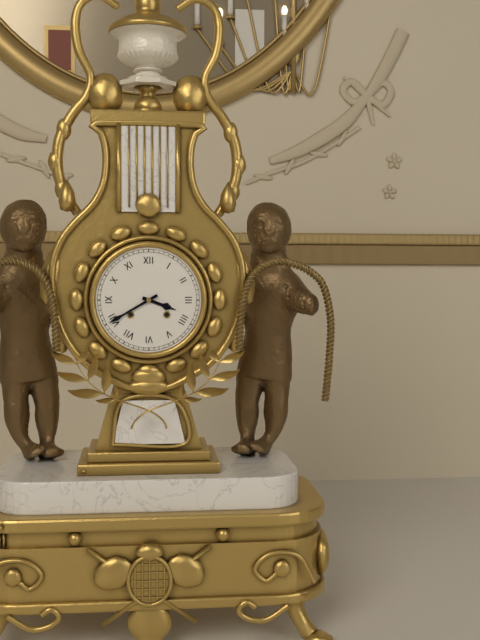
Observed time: 3:40
